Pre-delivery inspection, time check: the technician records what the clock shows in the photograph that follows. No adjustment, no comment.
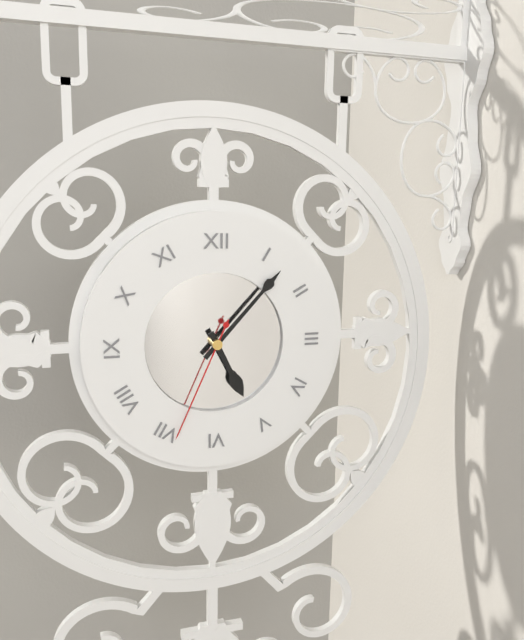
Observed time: 5:07:34
